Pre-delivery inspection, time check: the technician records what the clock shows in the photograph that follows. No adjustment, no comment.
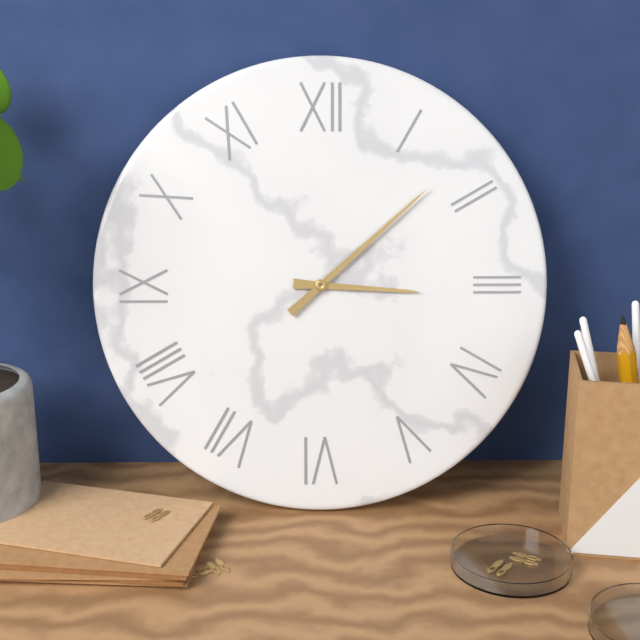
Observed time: 3:08
